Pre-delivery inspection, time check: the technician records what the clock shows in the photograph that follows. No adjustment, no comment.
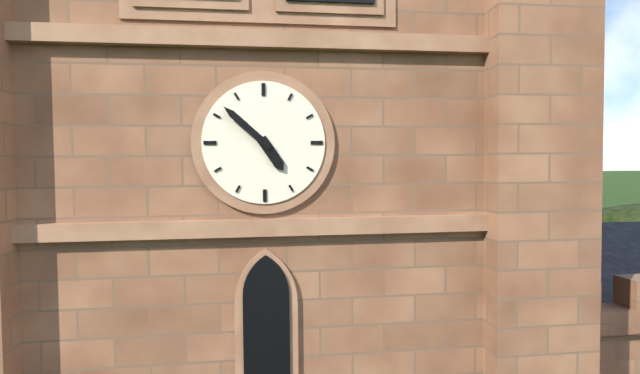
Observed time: 4:52
